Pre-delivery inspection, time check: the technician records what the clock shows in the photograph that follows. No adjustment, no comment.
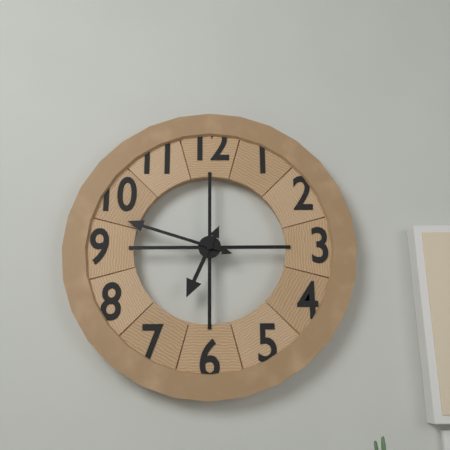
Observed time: 6:48
